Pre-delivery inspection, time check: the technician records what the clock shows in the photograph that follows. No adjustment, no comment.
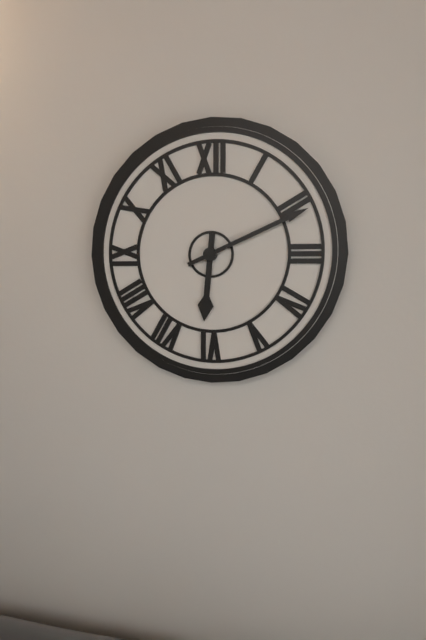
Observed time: 6:11
